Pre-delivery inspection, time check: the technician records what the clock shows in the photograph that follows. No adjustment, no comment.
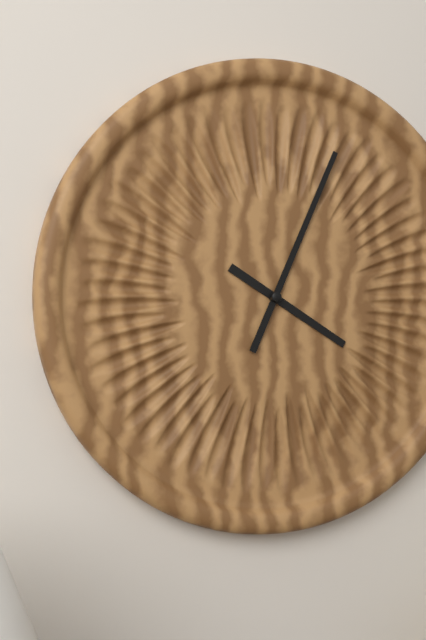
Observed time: 4:04
